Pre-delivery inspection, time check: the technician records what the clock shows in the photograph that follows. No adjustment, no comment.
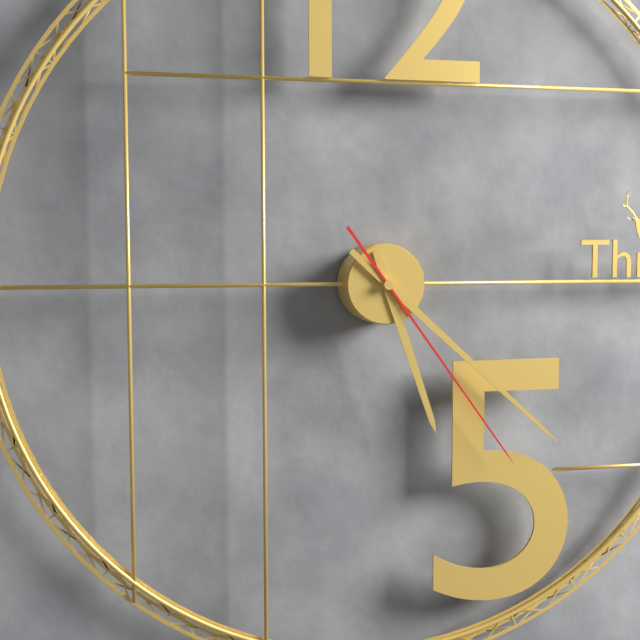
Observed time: 5:22:24
